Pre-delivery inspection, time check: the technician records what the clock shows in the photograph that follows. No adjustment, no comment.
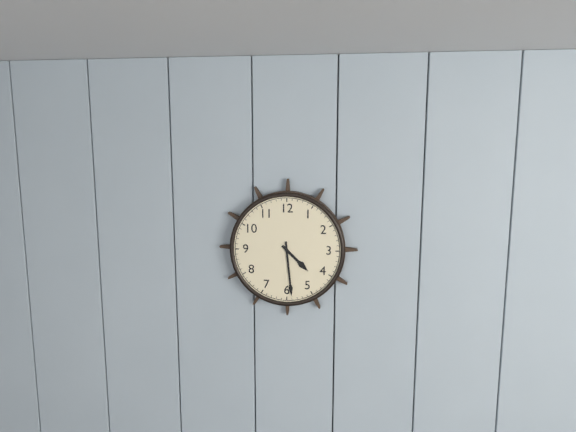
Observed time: 4:29
